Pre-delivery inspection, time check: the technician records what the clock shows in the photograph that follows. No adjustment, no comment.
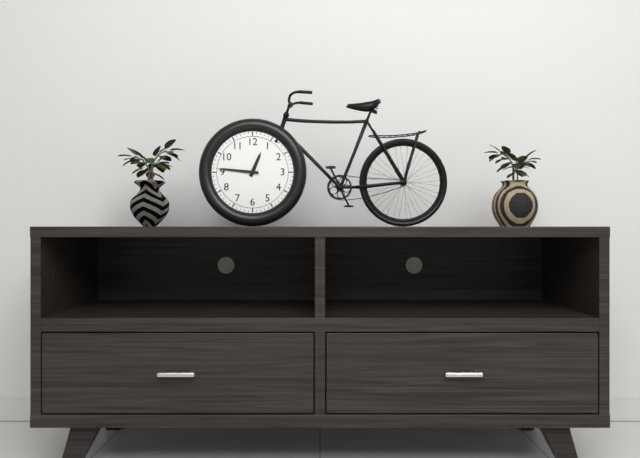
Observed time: 12:46
